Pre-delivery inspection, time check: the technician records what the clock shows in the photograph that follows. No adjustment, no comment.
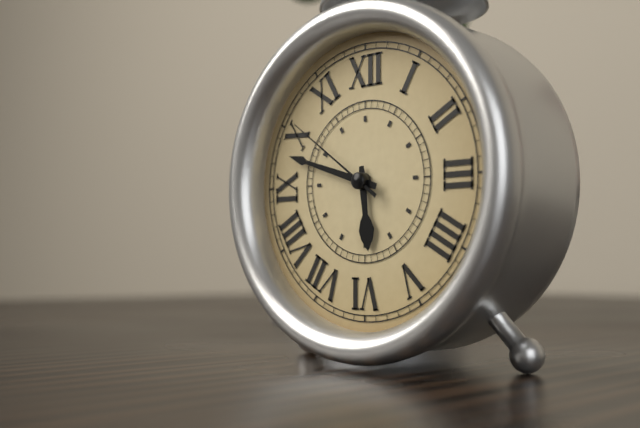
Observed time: 5:48:51
